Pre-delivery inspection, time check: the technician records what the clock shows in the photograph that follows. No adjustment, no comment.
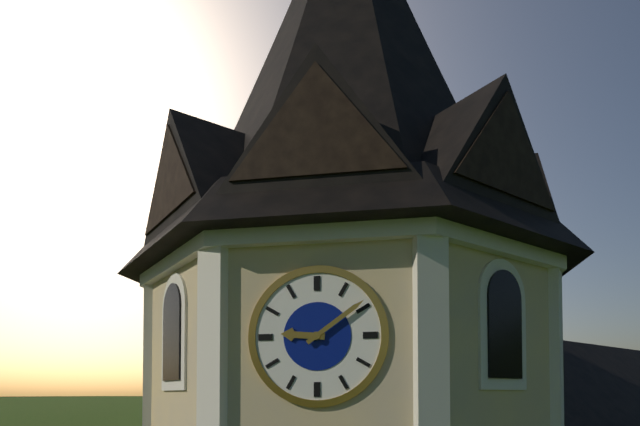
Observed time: 9:09
